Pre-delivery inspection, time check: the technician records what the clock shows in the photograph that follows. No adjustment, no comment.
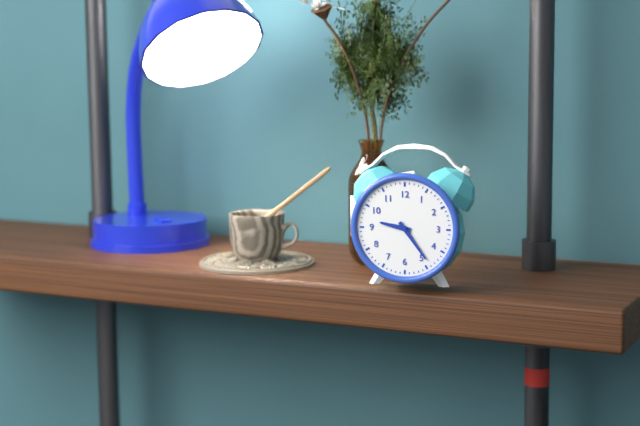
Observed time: 9:24
